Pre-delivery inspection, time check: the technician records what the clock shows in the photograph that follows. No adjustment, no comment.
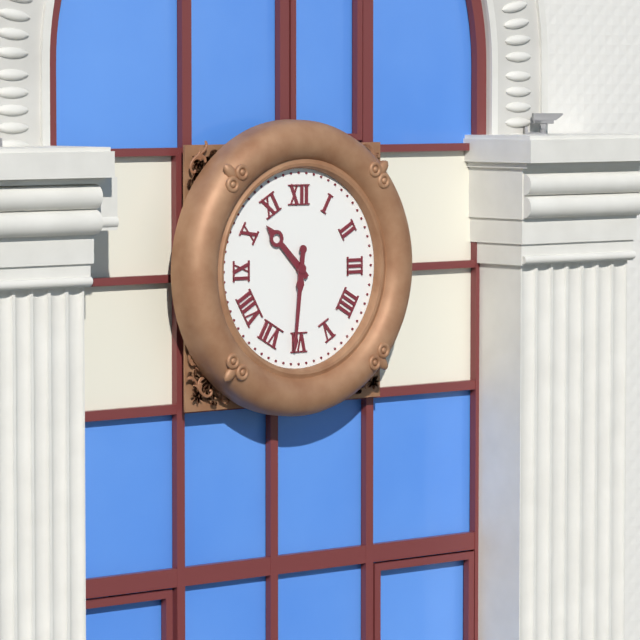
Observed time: 10:31
